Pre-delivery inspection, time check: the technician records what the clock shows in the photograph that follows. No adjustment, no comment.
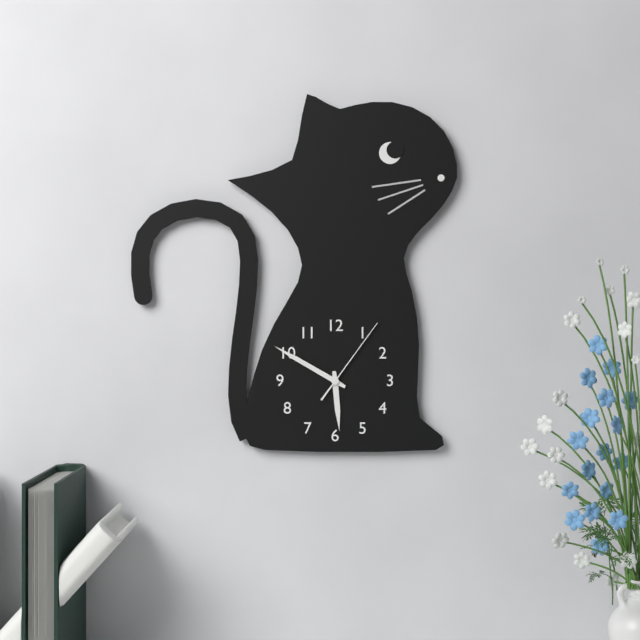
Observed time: 5:50:06
